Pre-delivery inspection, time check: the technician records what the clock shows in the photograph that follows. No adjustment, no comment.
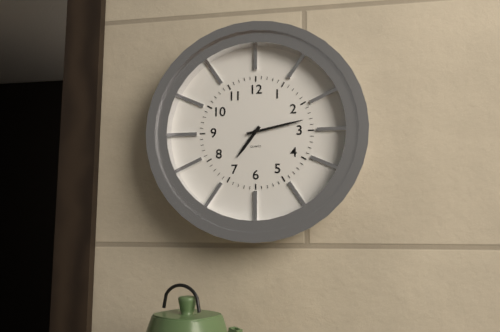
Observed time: 7:13
